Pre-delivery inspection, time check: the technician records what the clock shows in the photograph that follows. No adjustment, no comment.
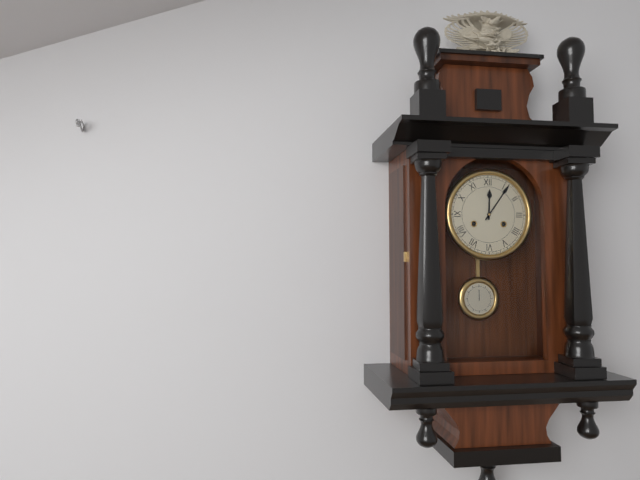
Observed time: 12:06
